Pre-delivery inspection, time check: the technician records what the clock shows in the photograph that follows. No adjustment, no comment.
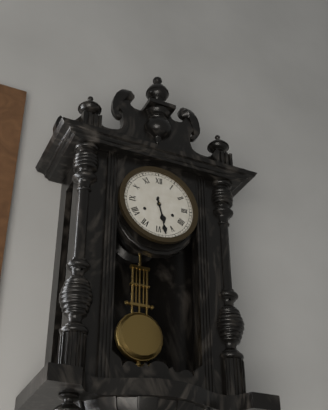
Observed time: 5:28
